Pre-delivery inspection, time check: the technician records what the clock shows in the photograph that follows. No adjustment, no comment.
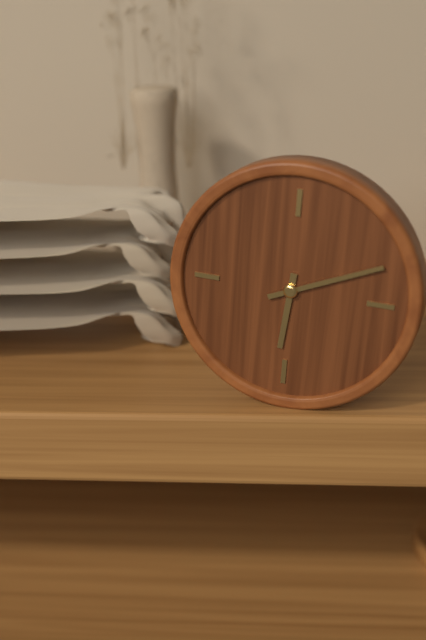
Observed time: 6:11
